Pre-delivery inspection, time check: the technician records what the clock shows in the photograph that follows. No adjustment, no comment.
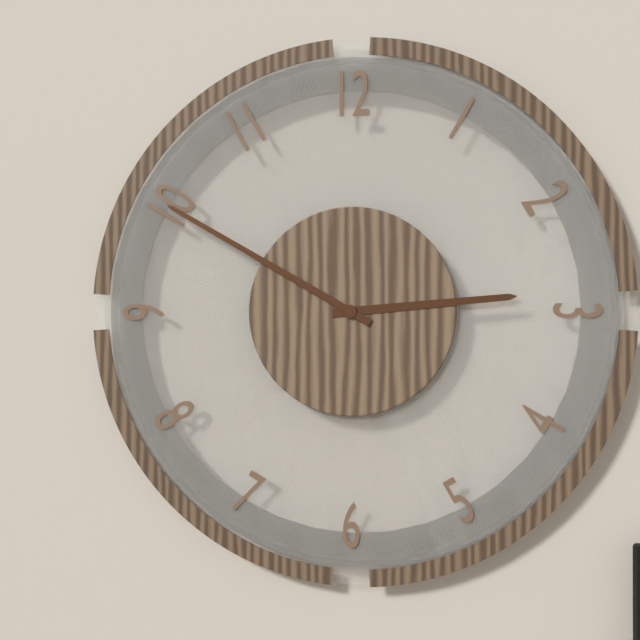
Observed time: 2:50
